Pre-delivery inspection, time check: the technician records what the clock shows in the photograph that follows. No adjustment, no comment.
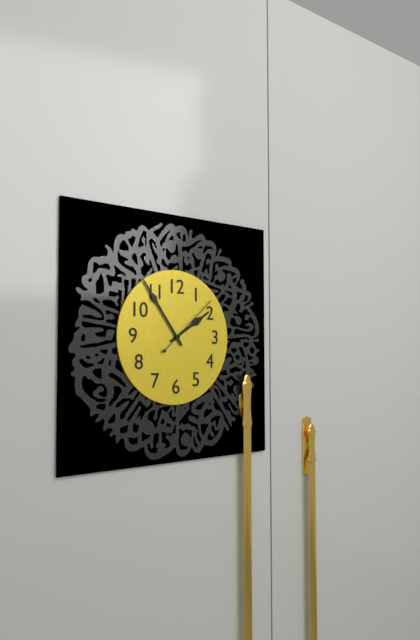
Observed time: 1:54:08
